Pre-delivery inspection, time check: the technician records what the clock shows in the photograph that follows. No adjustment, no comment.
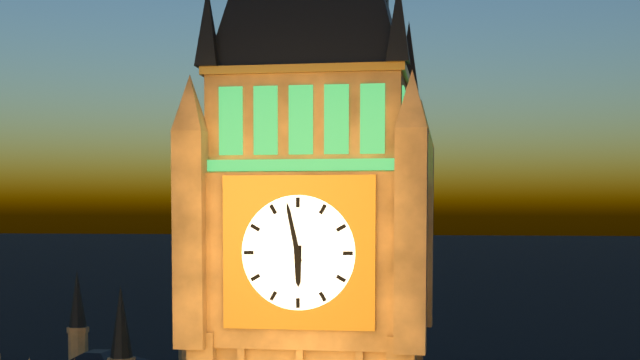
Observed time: 5:58
